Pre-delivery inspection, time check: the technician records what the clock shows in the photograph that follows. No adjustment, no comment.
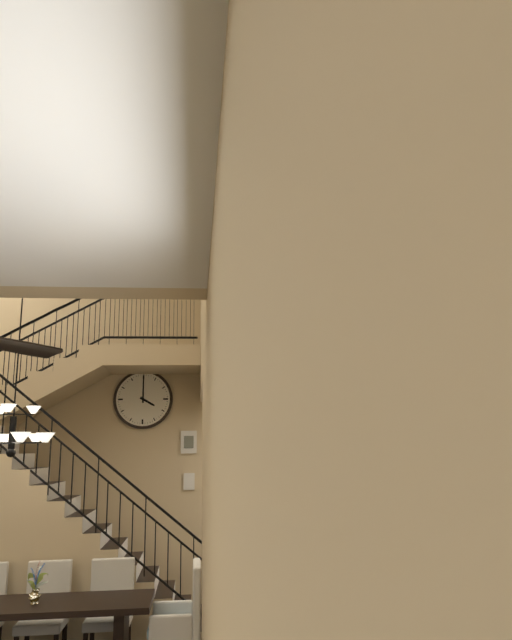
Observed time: 4:00
